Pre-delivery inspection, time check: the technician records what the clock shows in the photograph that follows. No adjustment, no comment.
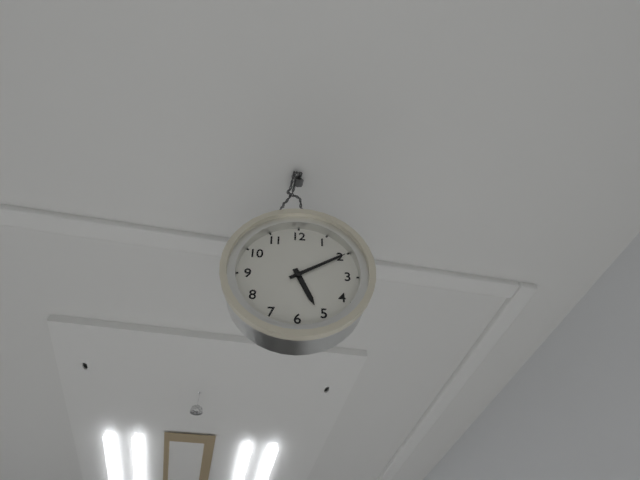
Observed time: 5:10
